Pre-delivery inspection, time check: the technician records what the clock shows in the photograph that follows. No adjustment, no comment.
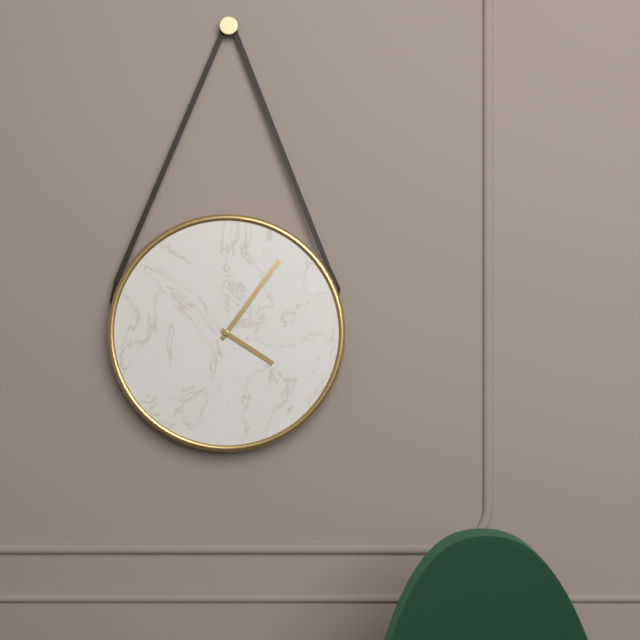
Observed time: 4:06
